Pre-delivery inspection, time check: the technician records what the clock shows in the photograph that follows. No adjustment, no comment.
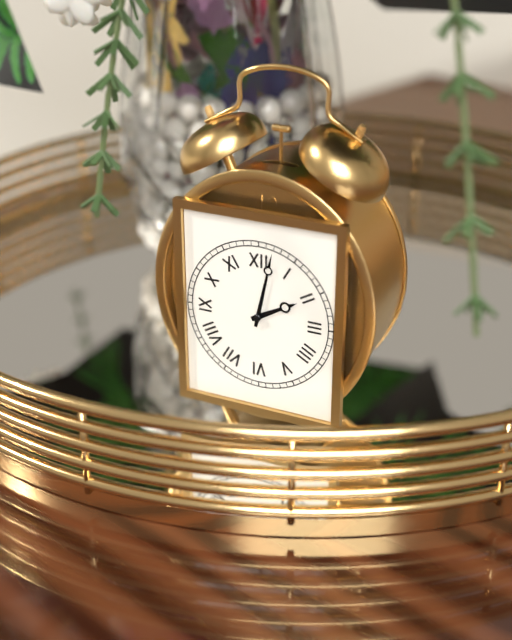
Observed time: 2:02
